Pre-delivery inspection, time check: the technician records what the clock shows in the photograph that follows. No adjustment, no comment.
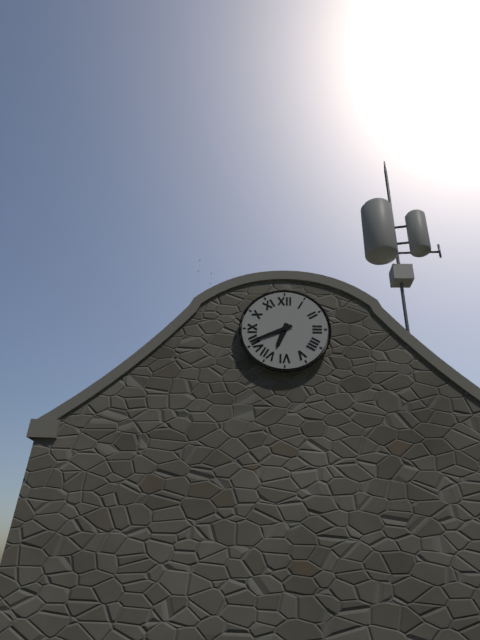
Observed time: 6:41
